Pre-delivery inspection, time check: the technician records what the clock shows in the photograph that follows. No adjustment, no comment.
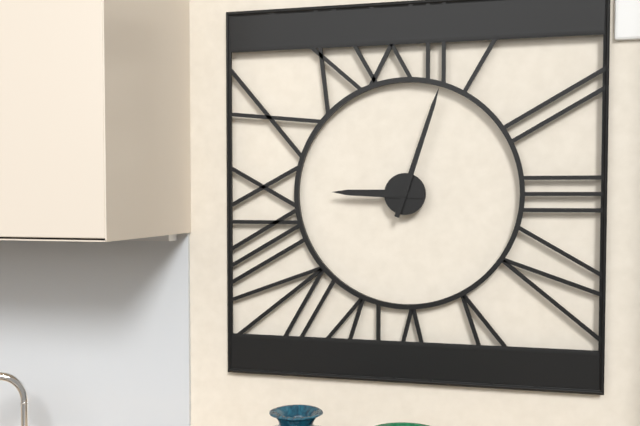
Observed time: 9:03
